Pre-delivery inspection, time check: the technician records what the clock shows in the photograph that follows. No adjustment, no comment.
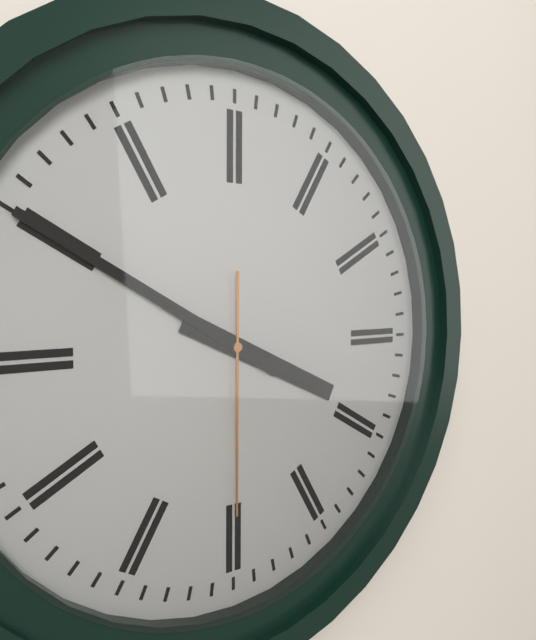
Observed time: 3:50:30
